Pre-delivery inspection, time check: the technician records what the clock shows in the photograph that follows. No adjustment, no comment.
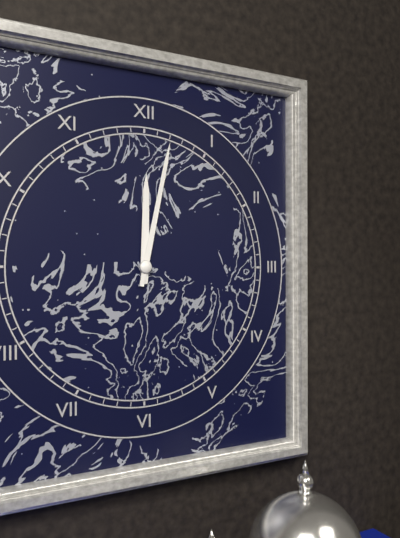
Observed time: 12:02
